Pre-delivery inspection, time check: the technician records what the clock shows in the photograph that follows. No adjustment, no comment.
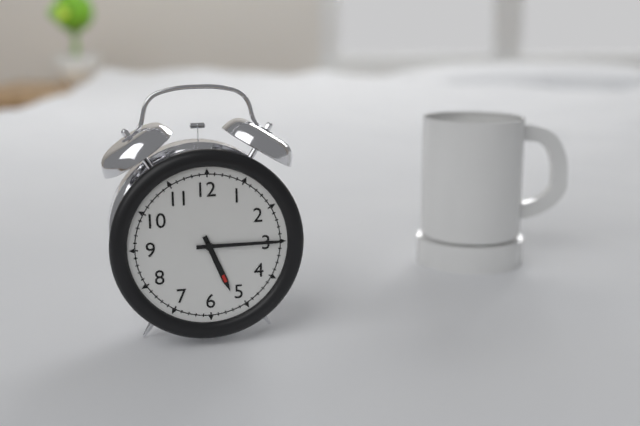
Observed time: 5:15
